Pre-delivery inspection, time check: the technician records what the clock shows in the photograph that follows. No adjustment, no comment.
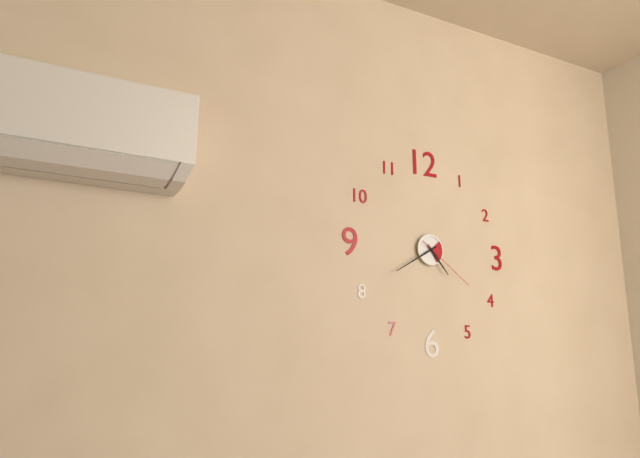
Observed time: 4:40:21
